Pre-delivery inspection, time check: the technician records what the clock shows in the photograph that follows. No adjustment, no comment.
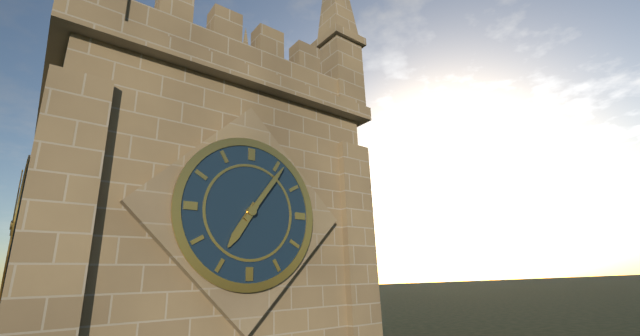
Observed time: 7:06
